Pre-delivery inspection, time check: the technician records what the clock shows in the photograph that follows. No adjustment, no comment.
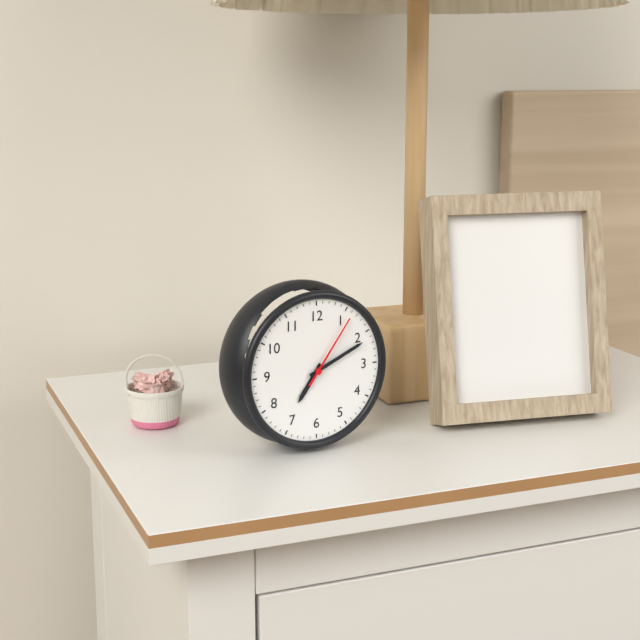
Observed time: 7:11:06
